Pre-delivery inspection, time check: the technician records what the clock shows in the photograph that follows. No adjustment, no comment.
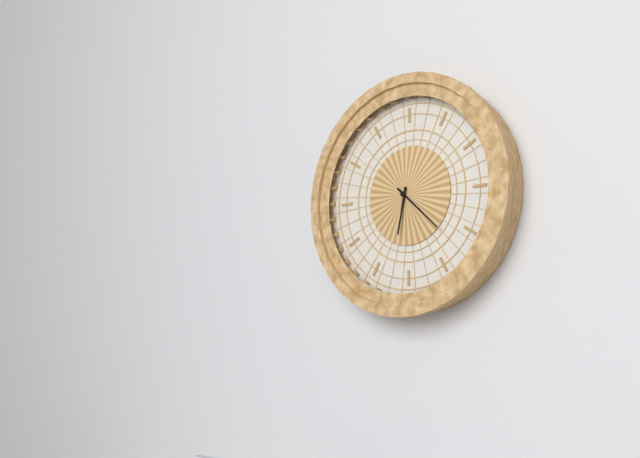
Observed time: 6:22
